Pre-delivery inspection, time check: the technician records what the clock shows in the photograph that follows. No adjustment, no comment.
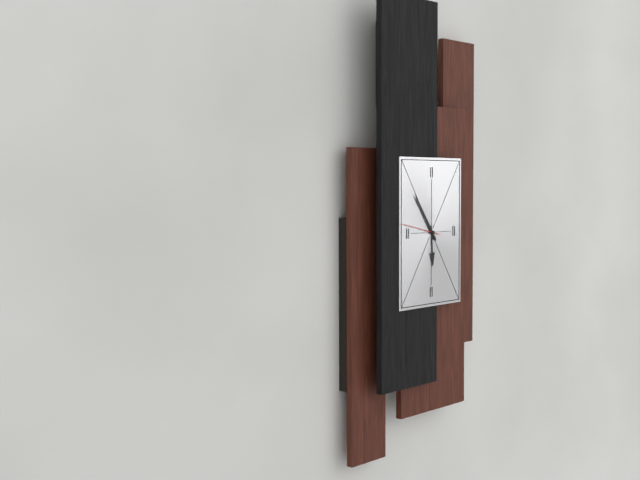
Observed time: 5:54
